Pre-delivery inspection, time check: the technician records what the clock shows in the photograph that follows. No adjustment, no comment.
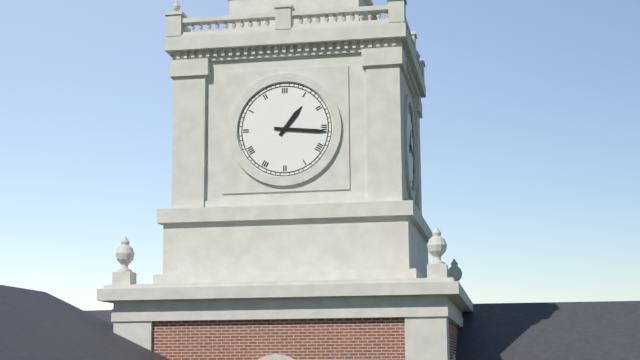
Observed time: 1:16
